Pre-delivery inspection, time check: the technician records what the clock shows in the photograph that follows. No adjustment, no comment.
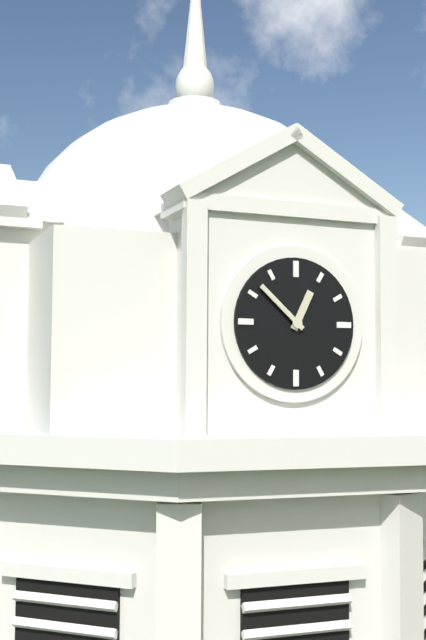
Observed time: 12:52
